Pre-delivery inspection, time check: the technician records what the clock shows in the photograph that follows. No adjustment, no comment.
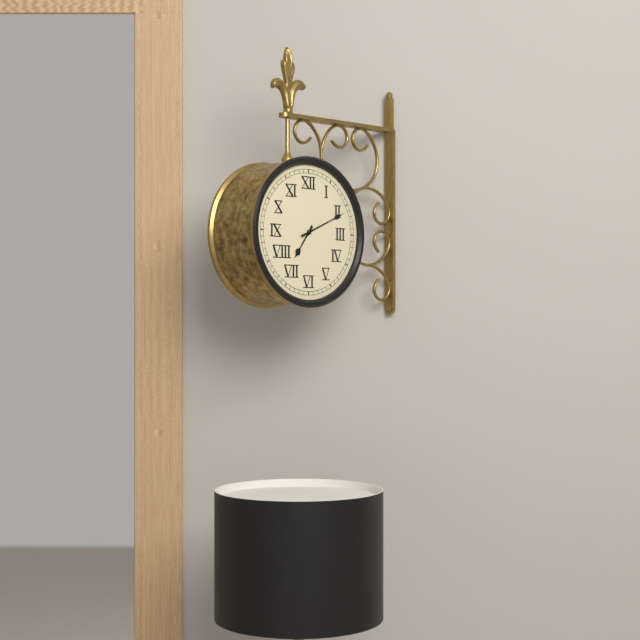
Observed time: 7:11
